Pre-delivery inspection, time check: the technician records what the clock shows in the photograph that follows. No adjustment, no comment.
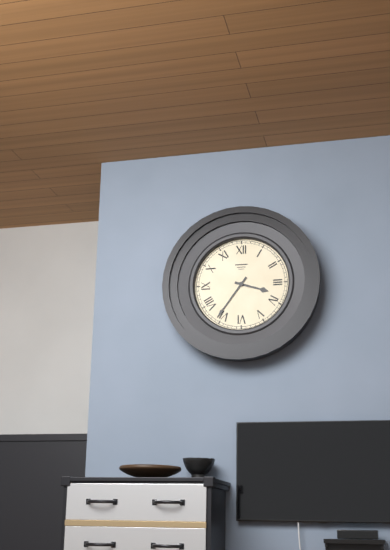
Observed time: 3:36
